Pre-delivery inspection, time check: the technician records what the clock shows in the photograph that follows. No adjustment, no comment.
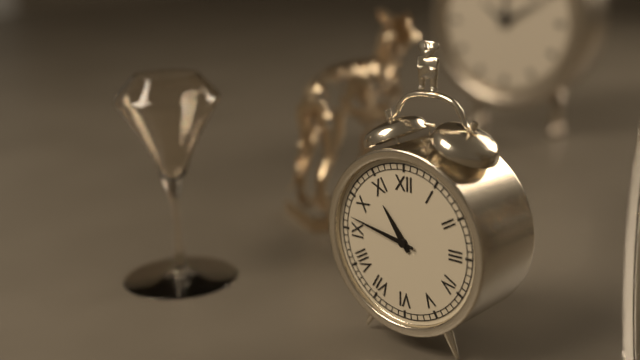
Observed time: 10:47
